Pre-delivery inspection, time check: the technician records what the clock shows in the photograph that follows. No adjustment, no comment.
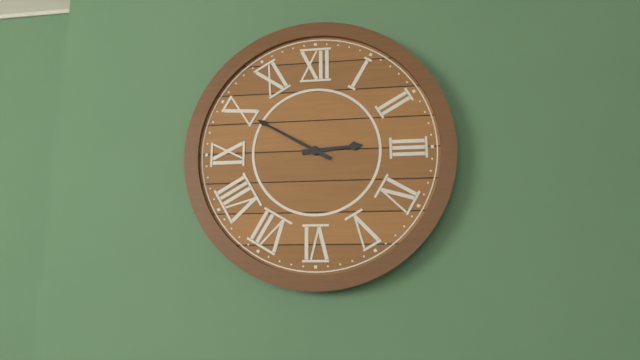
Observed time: 2:50
